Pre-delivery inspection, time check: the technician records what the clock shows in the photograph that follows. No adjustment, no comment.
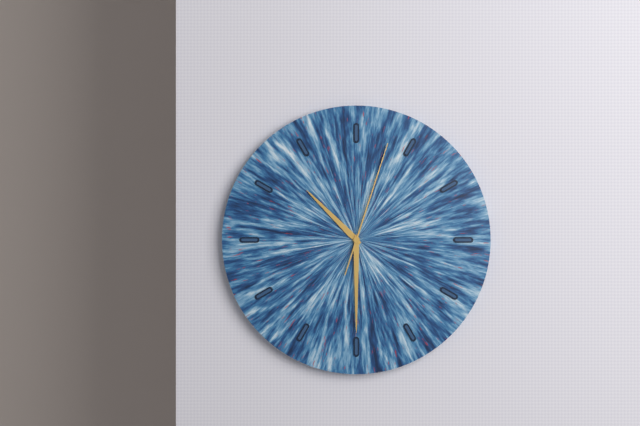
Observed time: 10:30:03
